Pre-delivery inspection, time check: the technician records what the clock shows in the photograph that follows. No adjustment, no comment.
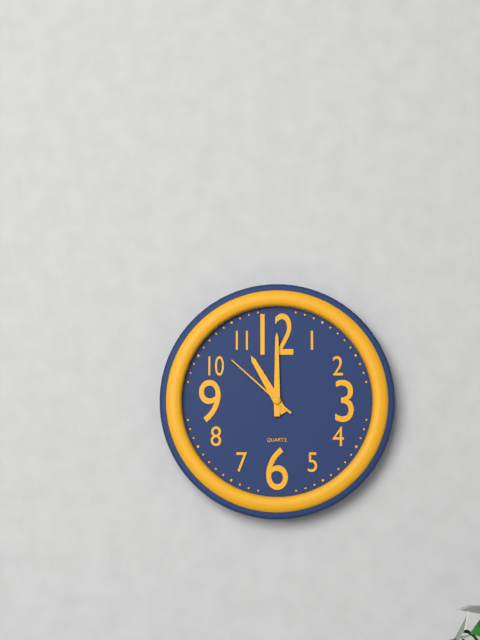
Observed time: 11:00:52
